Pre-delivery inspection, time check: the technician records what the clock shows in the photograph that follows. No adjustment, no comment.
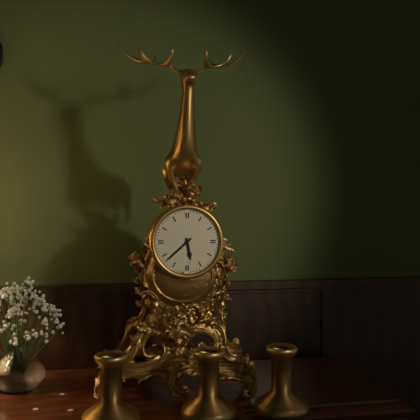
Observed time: 5:38
